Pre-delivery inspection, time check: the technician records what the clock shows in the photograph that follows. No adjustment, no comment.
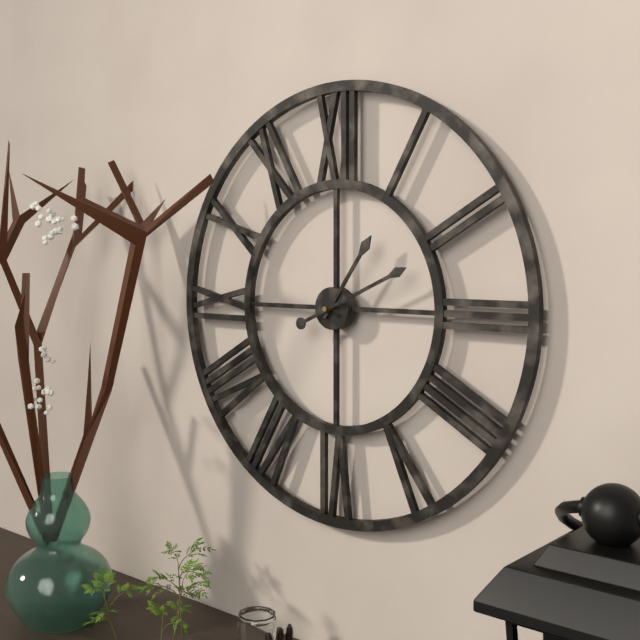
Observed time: 1:11
